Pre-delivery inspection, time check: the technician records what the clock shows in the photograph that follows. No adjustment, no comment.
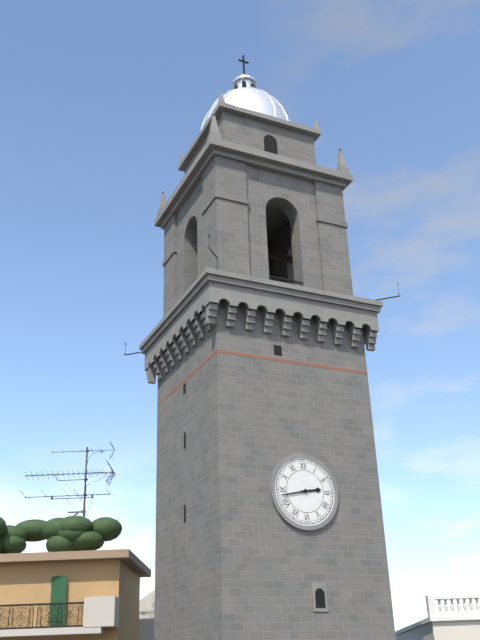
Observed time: 2:43
